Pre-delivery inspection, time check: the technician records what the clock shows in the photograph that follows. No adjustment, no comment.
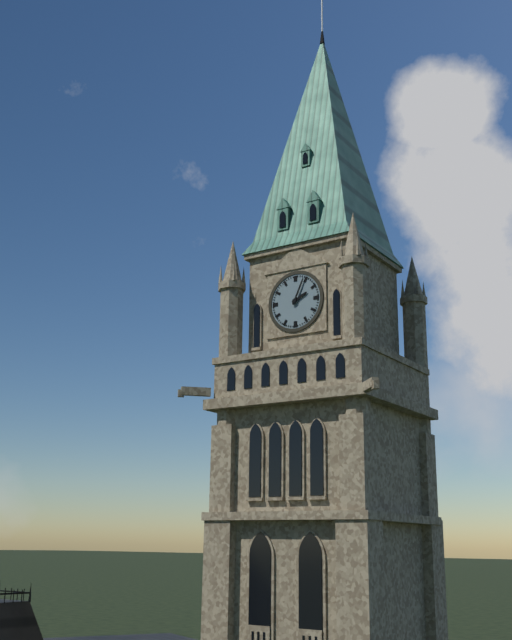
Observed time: 2:04
